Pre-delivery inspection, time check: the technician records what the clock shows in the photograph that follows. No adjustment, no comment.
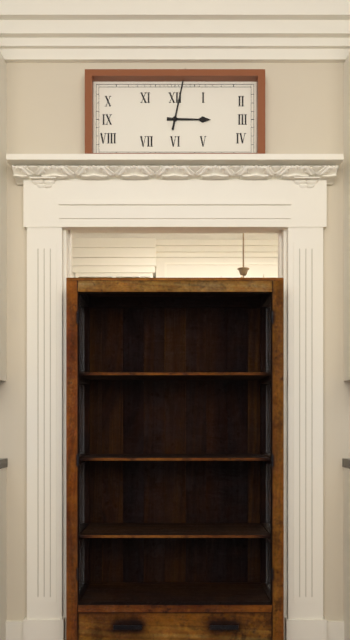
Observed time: 3:02
